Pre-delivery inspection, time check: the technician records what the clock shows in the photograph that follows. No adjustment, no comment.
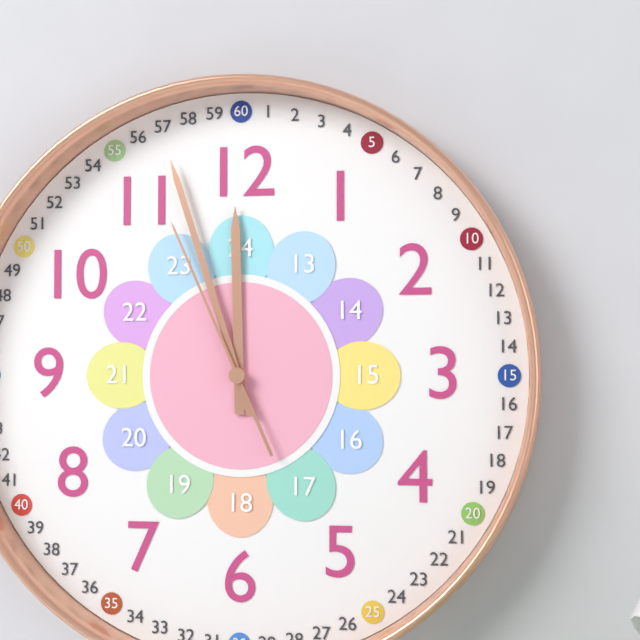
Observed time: 11:57:56
